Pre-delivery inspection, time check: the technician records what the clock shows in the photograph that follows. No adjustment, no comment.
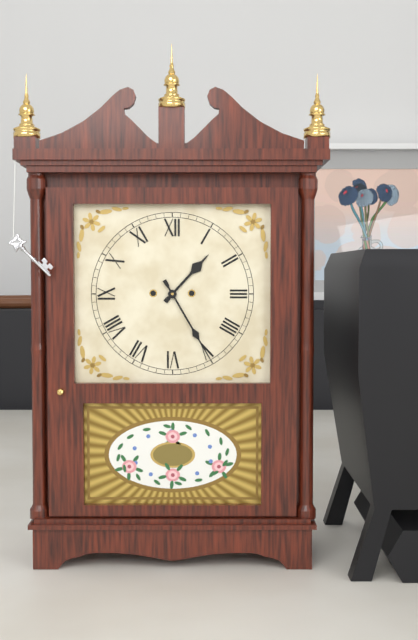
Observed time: 1:25
